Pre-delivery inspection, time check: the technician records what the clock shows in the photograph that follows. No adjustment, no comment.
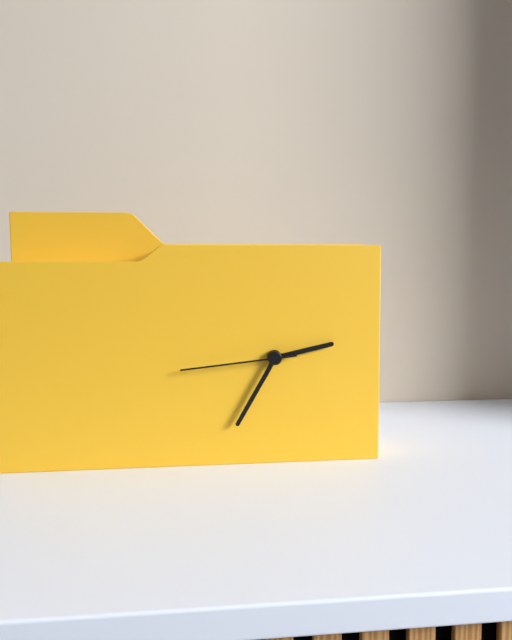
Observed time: 2:35:44
